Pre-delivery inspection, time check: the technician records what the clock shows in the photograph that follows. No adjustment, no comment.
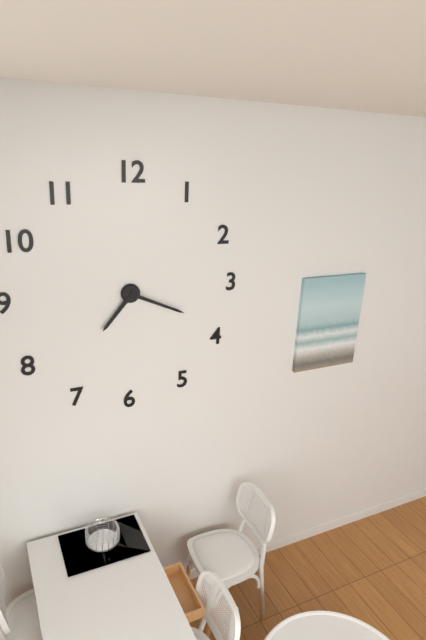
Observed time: 7:19
